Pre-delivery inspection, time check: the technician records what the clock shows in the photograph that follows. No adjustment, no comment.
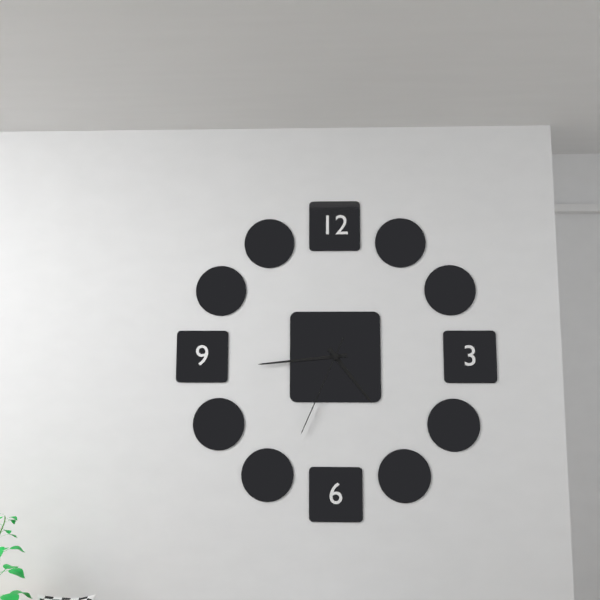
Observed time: 4:44:34
